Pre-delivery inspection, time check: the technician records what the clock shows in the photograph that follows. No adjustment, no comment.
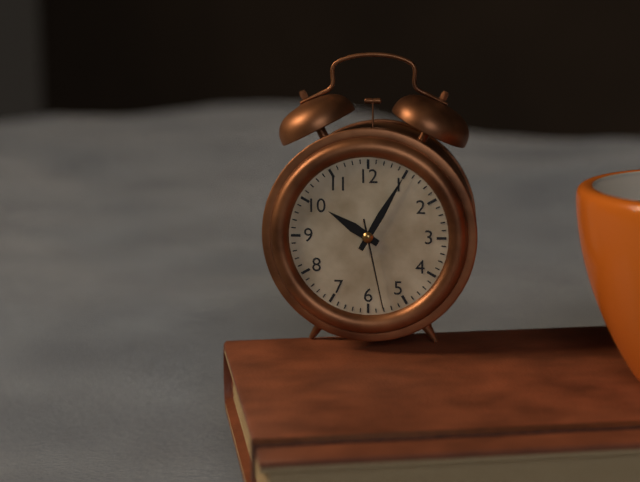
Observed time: 10:05:28
